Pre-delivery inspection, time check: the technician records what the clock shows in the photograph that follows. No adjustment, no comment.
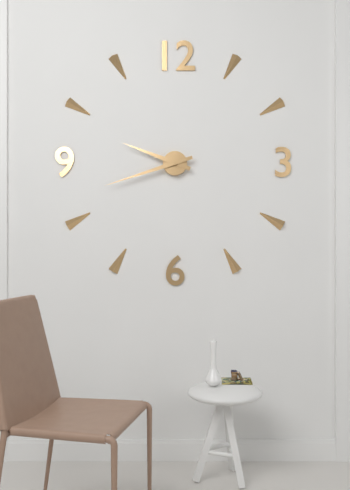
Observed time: 9:42
